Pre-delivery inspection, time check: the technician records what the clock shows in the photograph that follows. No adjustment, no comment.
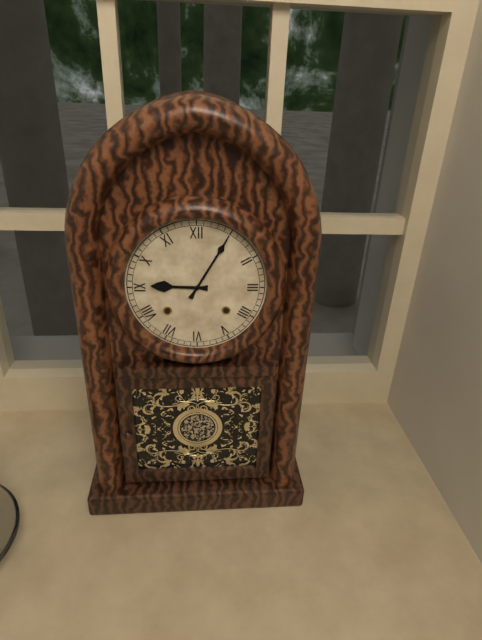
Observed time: 9:05
